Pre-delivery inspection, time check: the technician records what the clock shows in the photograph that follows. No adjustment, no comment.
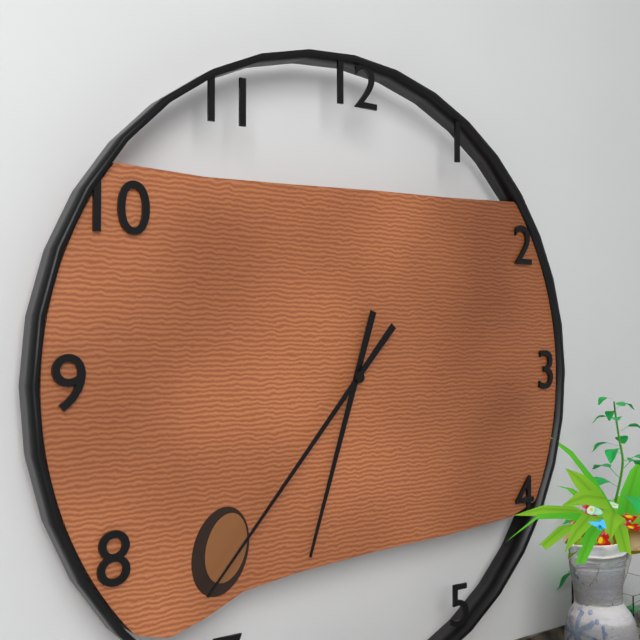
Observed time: 6:37
